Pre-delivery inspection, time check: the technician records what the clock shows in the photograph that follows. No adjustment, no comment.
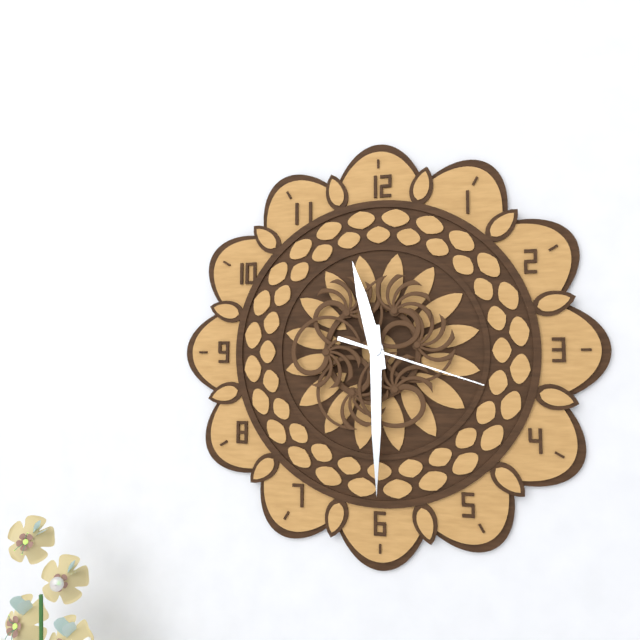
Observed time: 11:30:18
